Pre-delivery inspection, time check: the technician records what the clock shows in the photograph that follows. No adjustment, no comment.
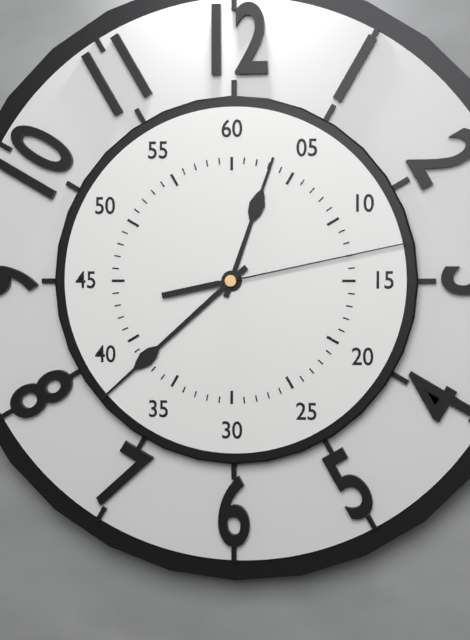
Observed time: 12:38:13
